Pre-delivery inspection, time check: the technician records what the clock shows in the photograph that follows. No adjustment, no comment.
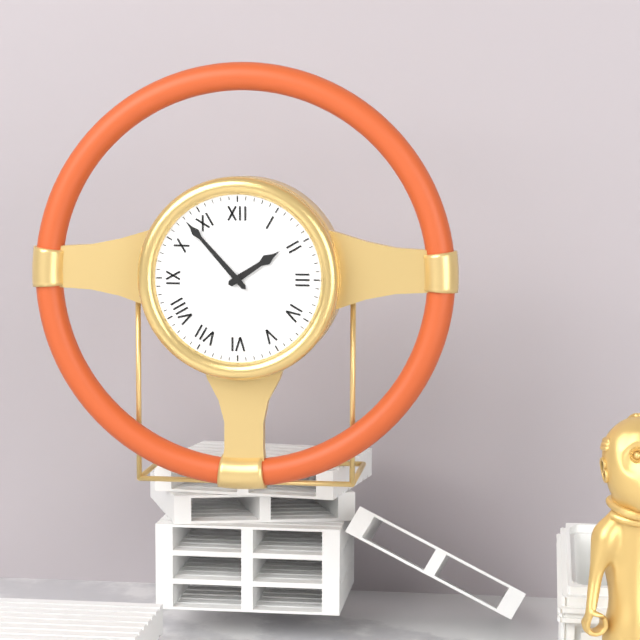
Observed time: 1:53
